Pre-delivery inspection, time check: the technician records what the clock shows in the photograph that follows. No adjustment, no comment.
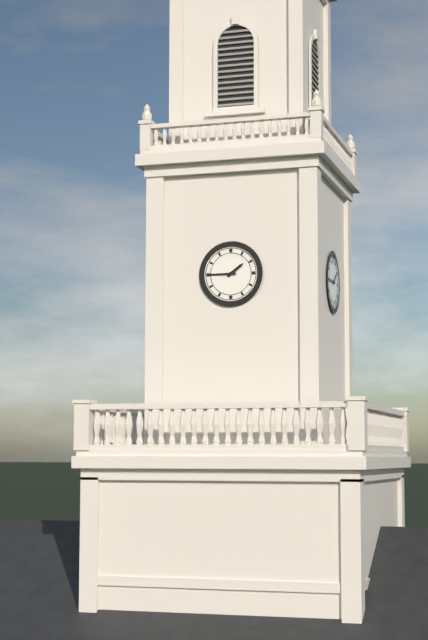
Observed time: 1:45
